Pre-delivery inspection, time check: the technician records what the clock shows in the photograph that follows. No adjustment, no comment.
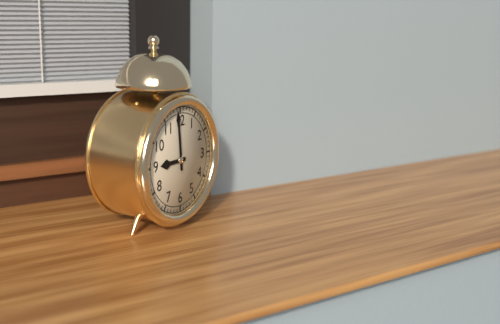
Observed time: 8:59
